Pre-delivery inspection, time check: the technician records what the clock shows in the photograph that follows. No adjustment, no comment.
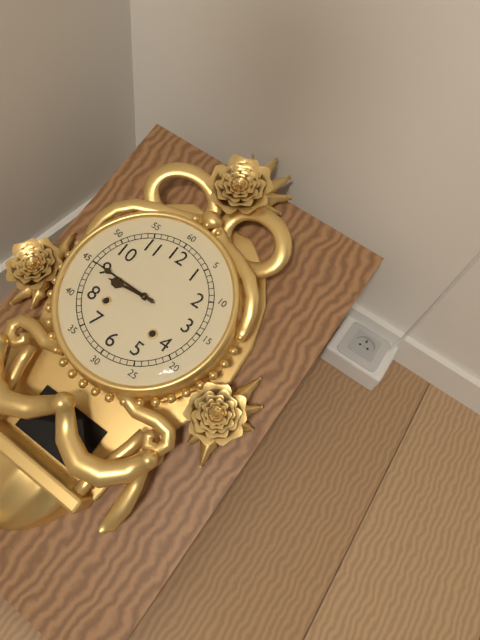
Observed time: 8:45
